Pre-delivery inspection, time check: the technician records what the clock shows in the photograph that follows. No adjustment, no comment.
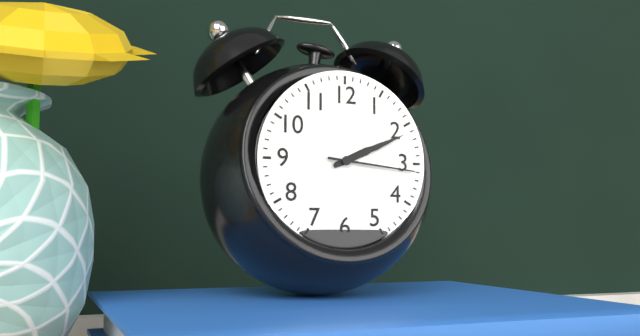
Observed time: 2:11:16
